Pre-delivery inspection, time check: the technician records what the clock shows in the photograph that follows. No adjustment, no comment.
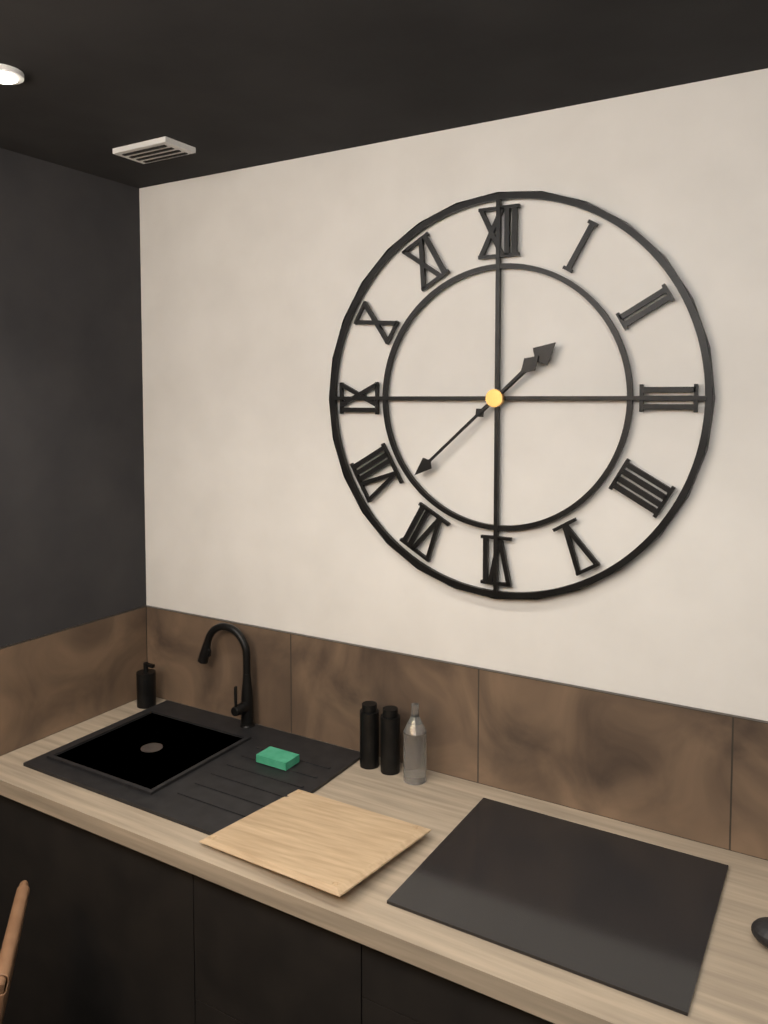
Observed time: 1:38
